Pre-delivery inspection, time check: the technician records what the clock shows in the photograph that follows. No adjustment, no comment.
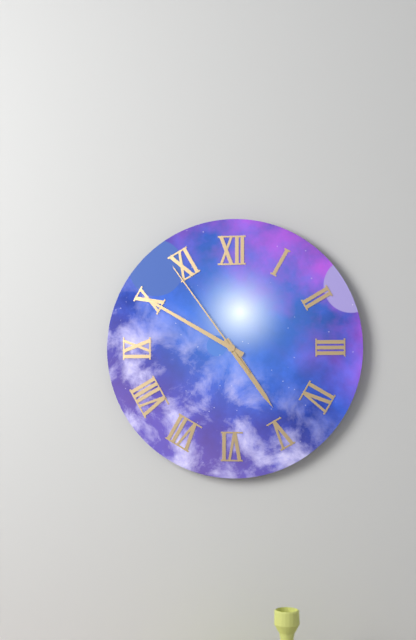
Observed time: 4:50:54
